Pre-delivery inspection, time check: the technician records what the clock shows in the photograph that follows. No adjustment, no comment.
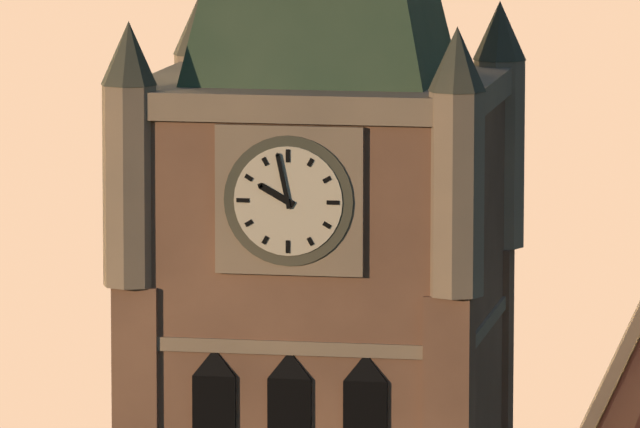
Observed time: 9:58
